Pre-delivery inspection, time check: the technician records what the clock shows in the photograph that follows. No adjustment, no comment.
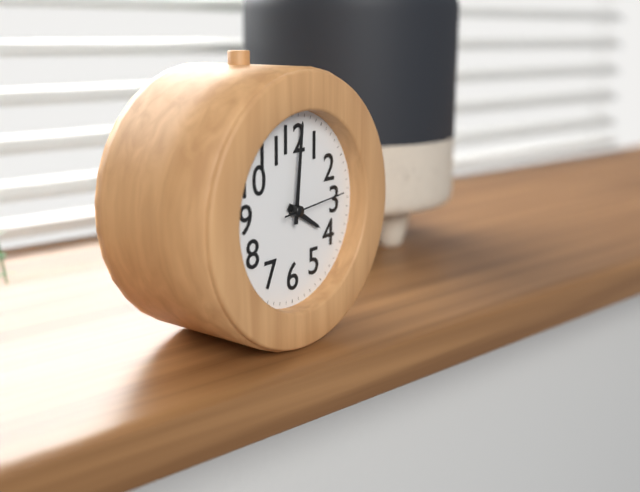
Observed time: 4:01:14
